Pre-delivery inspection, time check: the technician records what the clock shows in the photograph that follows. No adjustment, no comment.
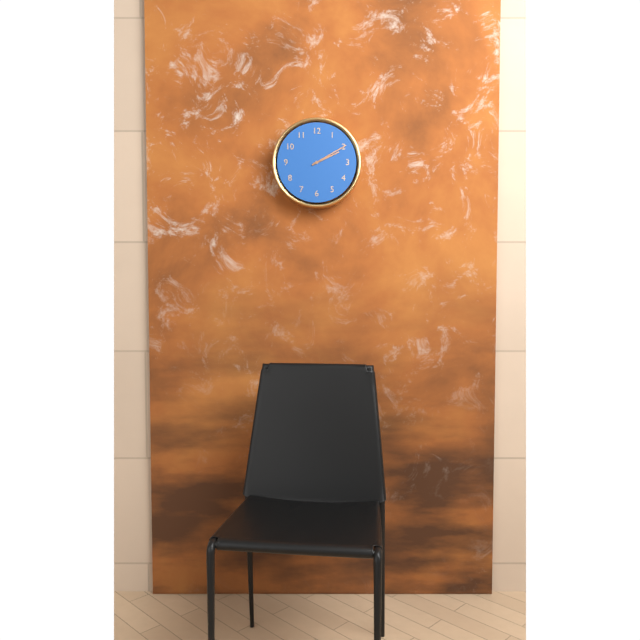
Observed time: 2:10
